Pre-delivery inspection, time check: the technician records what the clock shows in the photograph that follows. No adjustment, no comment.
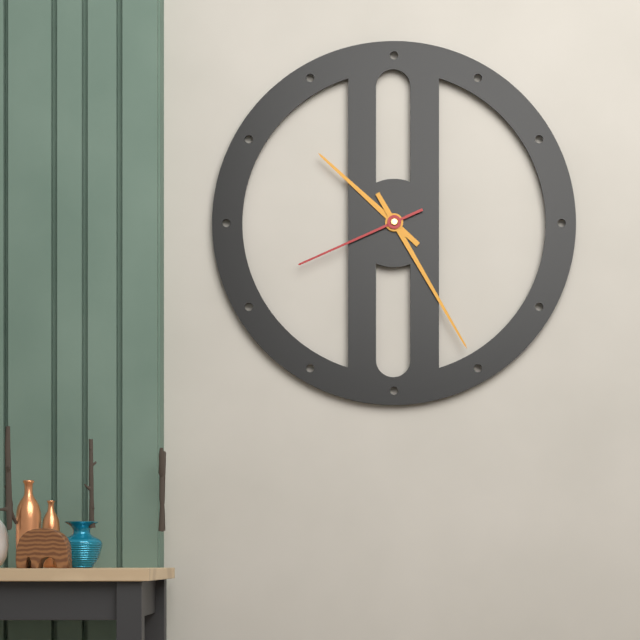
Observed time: 10:25:41
